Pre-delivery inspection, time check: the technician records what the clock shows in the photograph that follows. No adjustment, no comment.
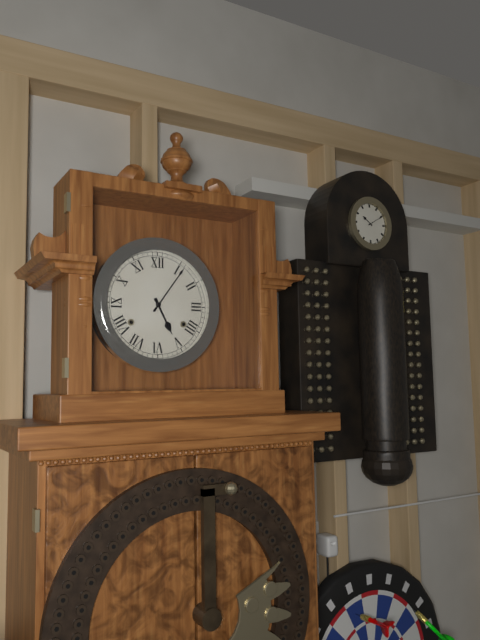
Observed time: 5:06
